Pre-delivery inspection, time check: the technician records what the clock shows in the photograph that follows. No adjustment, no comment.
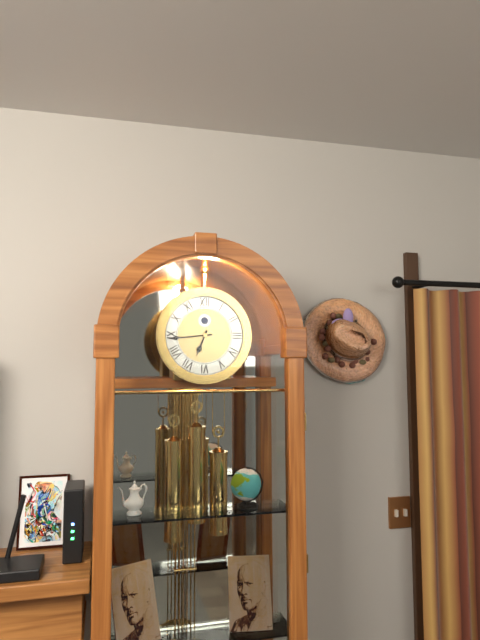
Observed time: 6:44
